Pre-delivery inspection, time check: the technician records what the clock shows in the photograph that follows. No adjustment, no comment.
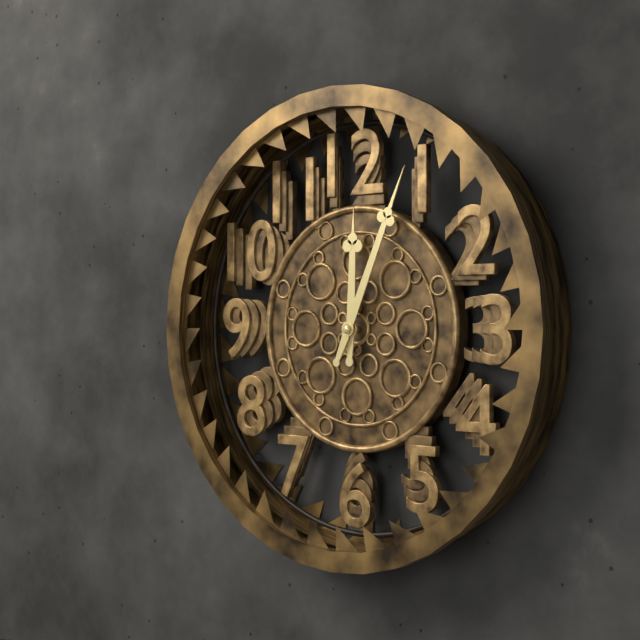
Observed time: 12:04
